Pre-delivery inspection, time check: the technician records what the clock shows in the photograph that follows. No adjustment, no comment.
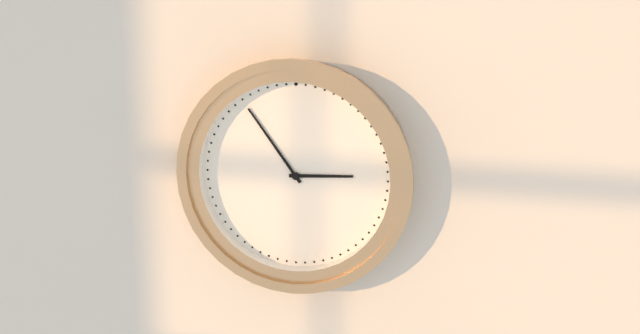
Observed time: 2:54
